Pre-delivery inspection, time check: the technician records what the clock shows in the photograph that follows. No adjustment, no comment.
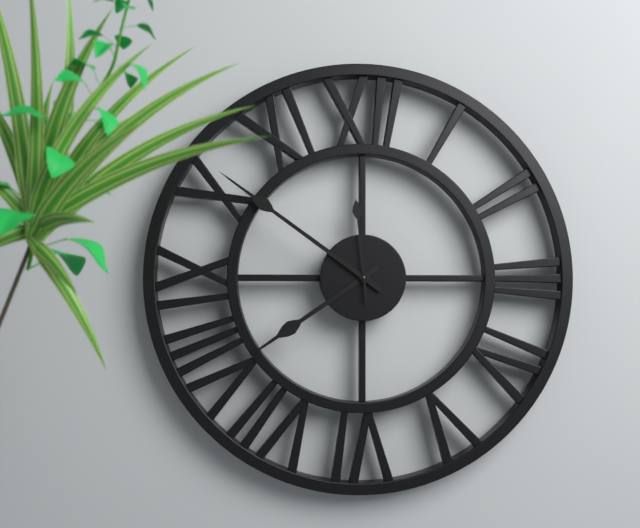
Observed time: 7:51:59
